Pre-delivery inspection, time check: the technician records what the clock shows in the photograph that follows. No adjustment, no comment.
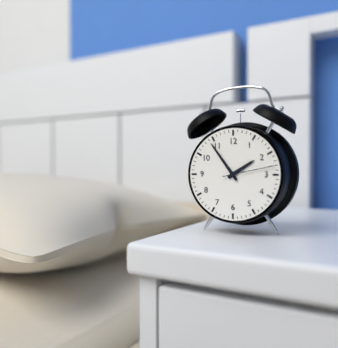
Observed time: 1:54
